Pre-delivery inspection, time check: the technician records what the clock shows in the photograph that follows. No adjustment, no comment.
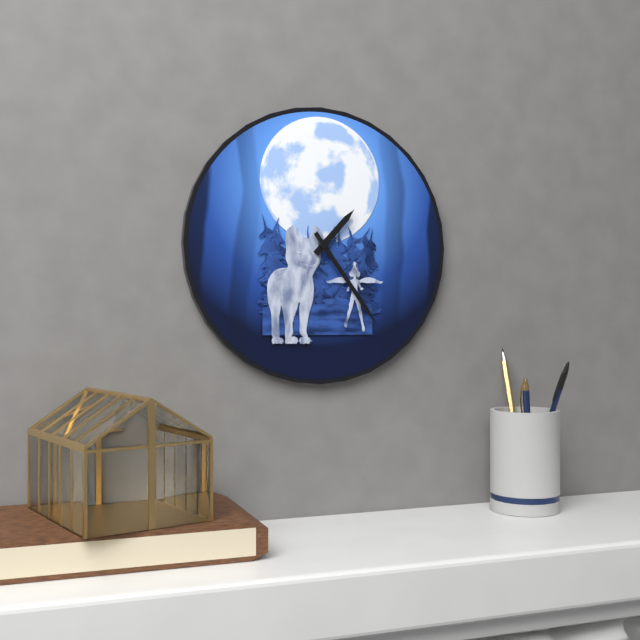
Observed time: 1:24
